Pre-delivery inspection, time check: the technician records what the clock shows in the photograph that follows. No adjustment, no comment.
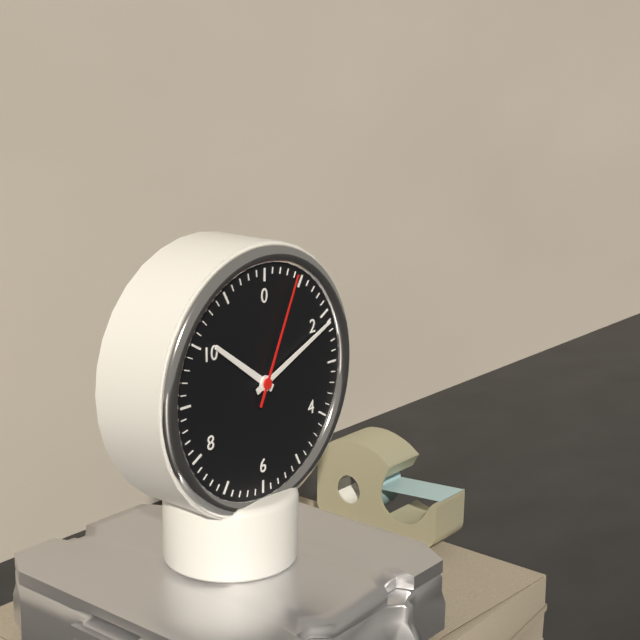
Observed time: 10:11:04
